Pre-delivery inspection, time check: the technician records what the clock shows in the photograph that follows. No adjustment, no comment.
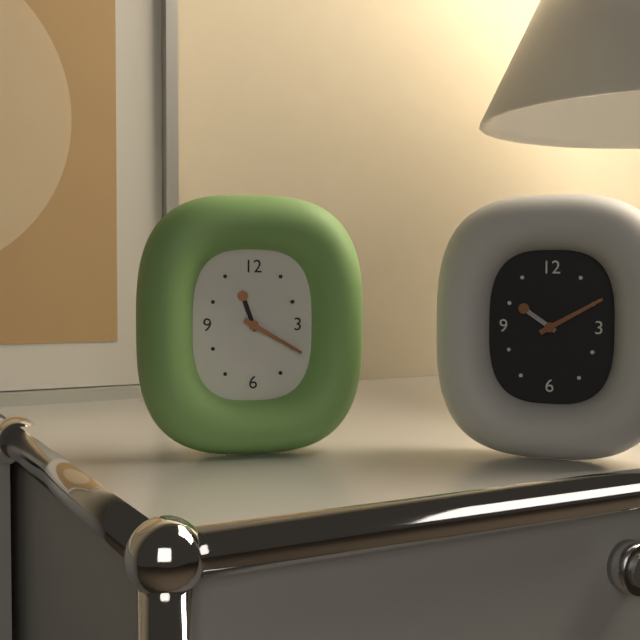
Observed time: 11:20
